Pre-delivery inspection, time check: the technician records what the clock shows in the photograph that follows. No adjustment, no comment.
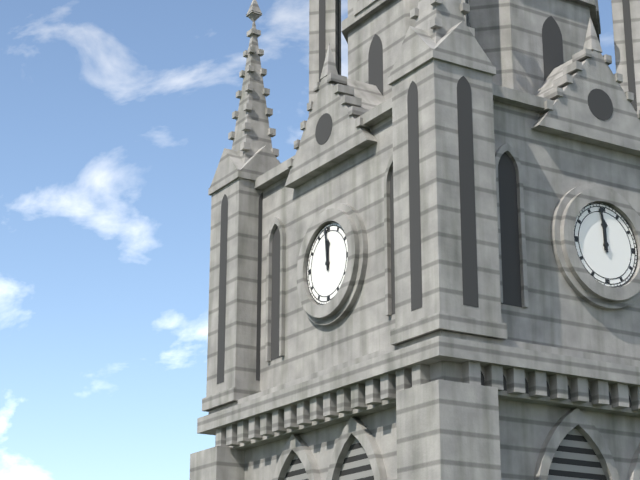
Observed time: 11:59
